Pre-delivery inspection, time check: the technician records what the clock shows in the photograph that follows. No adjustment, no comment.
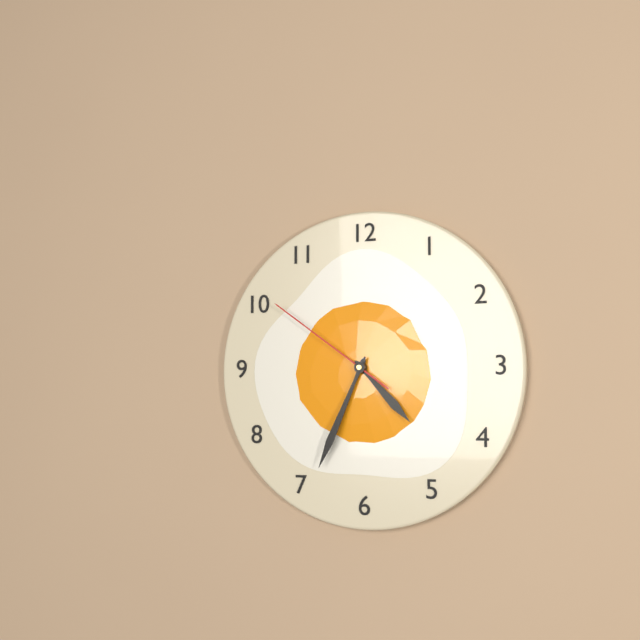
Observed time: 4:34:51
